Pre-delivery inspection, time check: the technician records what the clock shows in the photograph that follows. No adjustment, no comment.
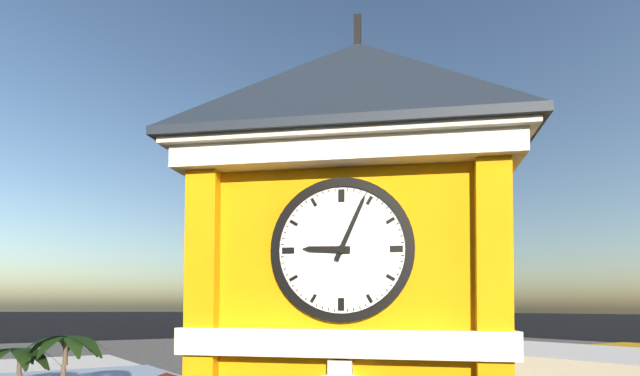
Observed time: 9:04
